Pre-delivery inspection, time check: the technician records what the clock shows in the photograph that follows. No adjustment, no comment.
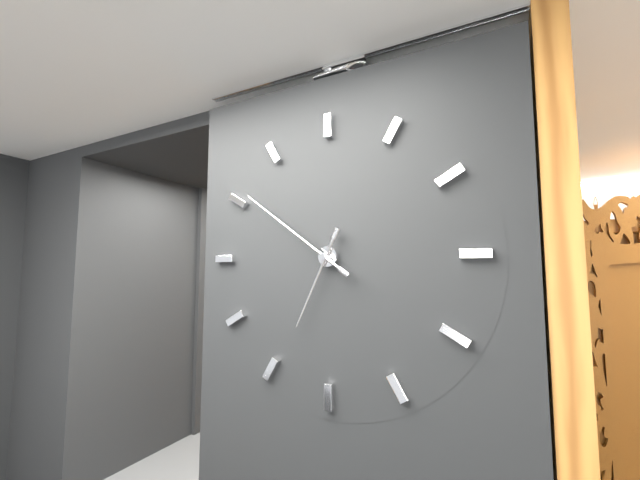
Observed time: 6:51
